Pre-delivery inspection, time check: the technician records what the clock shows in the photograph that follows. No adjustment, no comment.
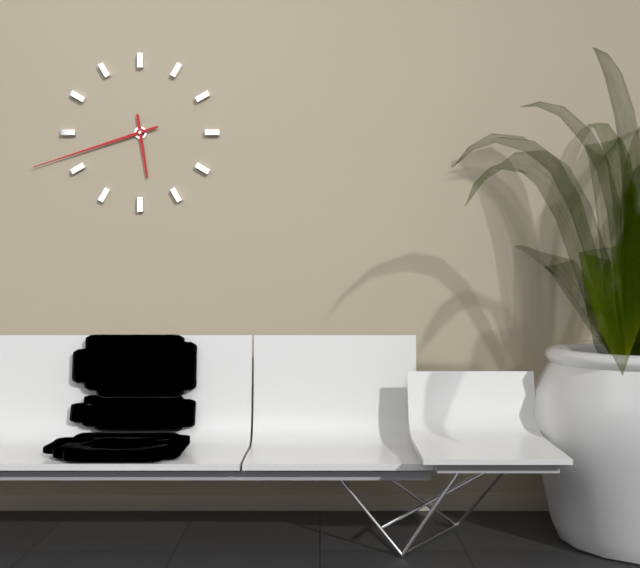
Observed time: 5:42
